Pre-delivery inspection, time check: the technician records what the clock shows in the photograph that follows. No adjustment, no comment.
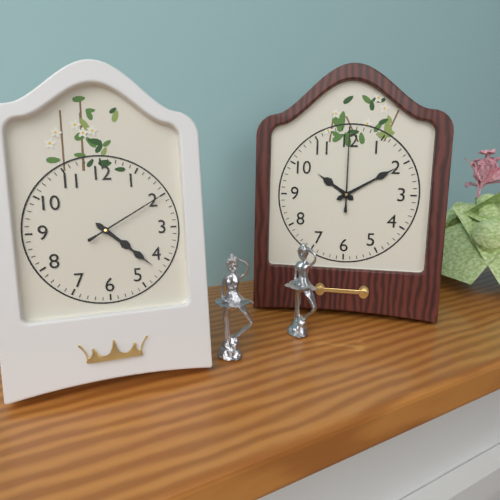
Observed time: 4:22:10
